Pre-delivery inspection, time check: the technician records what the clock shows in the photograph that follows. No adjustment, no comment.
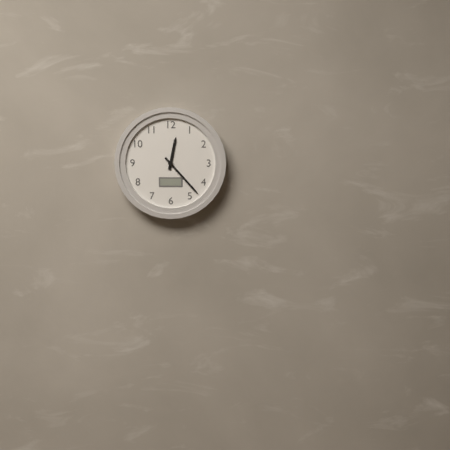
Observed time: 12:23
